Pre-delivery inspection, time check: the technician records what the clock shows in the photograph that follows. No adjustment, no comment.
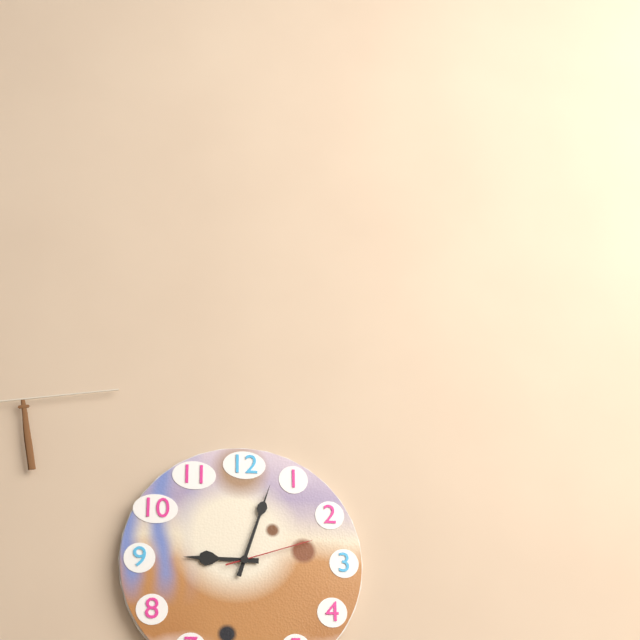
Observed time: 9:03:12
